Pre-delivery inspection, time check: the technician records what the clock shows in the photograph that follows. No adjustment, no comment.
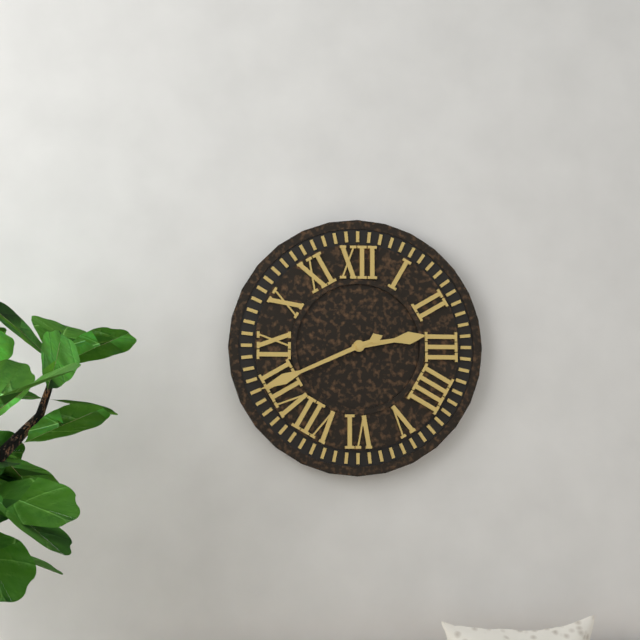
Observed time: 2:41
